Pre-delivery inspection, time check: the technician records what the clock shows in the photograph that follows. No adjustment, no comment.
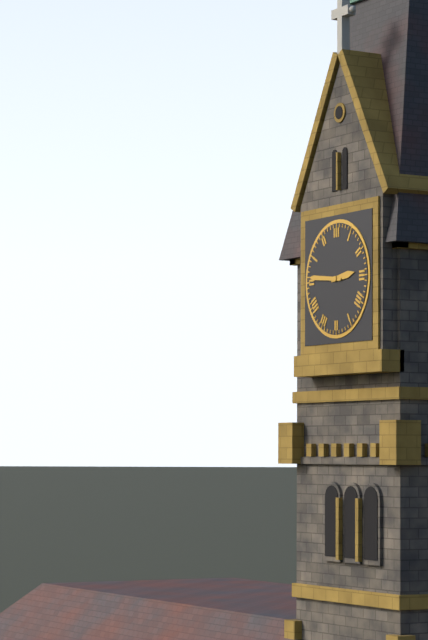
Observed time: 2:46
